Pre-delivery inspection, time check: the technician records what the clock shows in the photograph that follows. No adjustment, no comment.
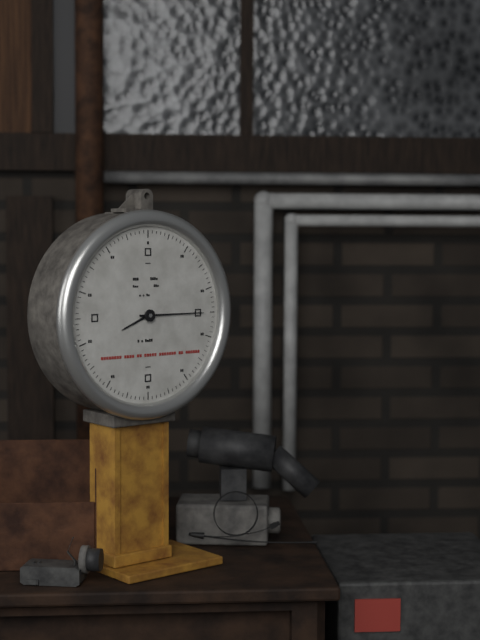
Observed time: 8:15
